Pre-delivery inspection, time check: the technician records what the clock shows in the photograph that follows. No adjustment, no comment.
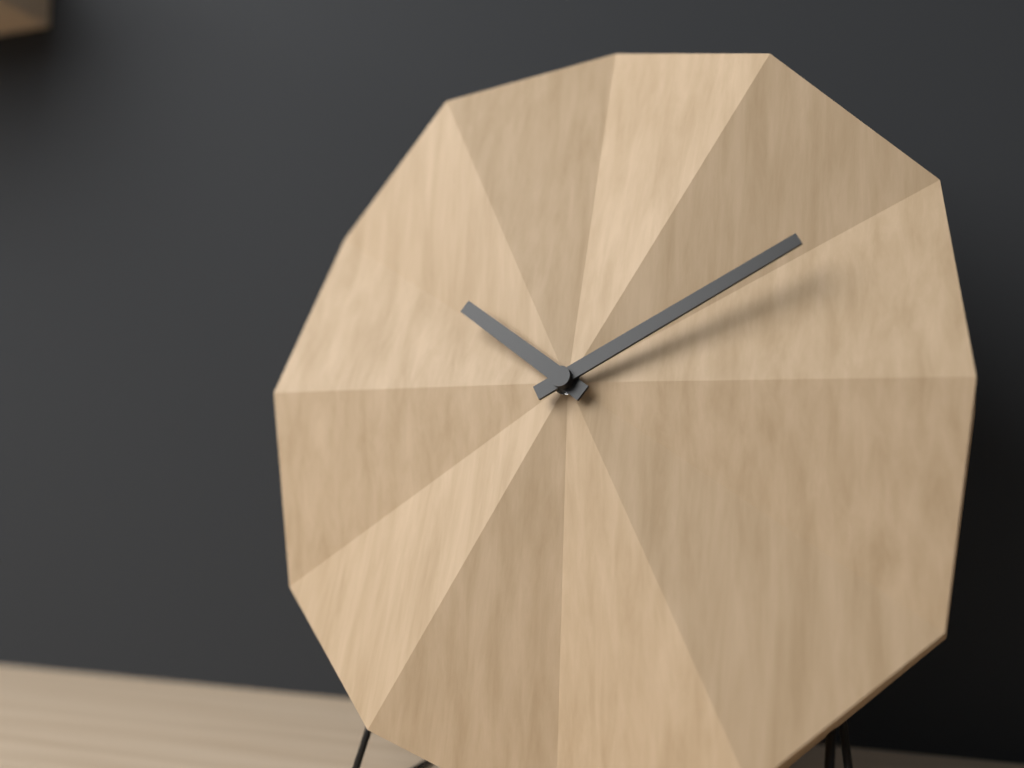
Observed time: 10:10
